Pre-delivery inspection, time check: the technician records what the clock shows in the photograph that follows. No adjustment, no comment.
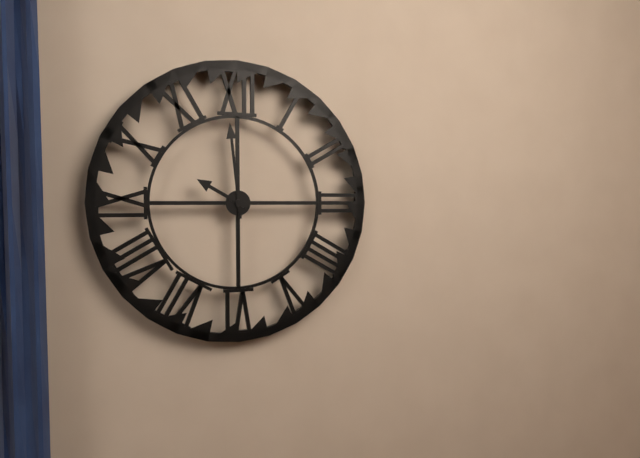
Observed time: 9:59
